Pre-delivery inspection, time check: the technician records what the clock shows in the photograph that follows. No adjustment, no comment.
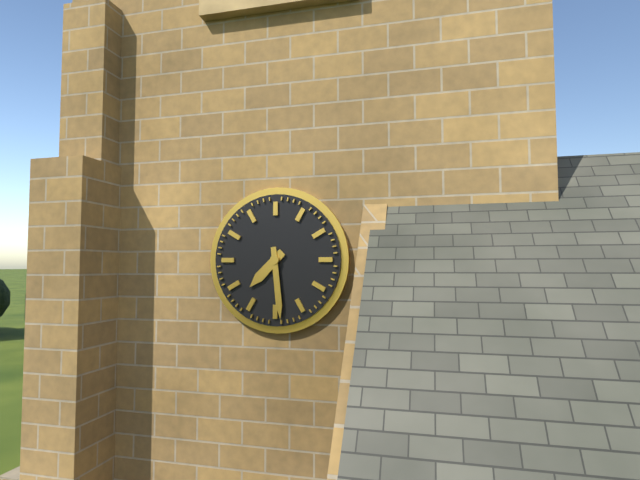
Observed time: 7:29
